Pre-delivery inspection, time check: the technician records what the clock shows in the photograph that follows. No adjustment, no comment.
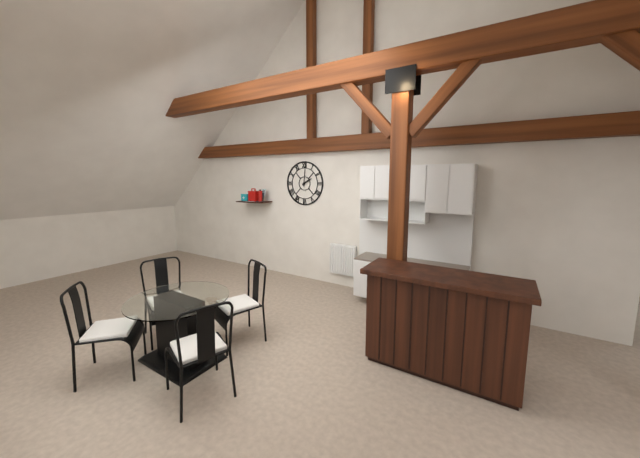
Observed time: 2:01
